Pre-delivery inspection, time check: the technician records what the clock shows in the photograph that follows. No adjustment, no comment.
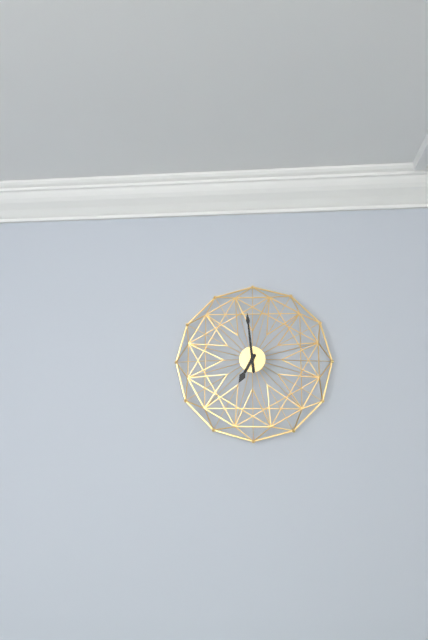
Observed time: 6:59
